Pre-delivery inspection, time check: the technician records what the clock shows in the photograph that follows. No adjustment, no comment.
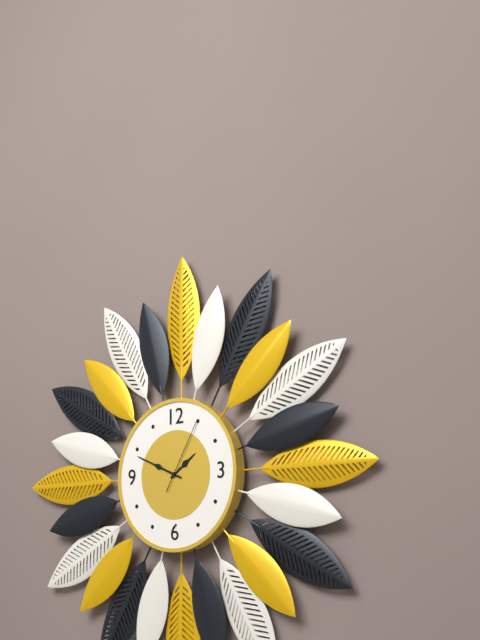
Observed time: 1:49:05
